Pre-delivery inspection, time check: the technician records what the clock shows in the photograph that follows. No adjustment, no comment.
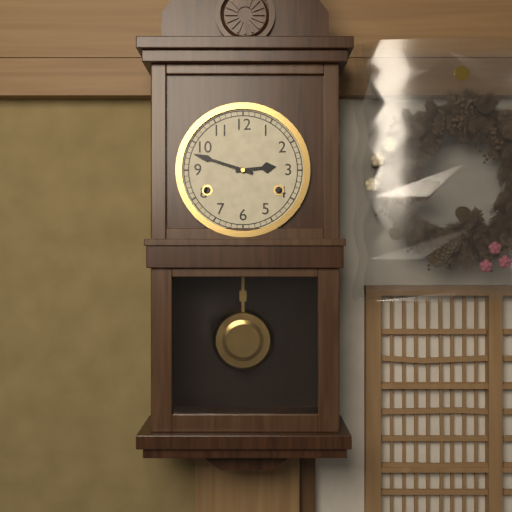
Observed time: 2:48
